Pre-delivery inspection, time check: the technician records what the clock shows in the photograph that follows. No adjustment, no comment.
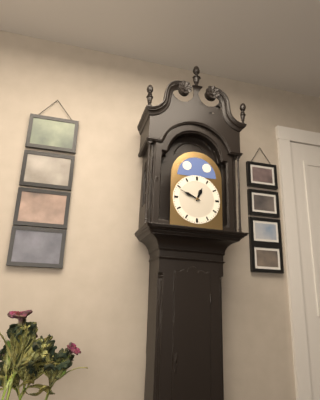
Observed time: 12:49
